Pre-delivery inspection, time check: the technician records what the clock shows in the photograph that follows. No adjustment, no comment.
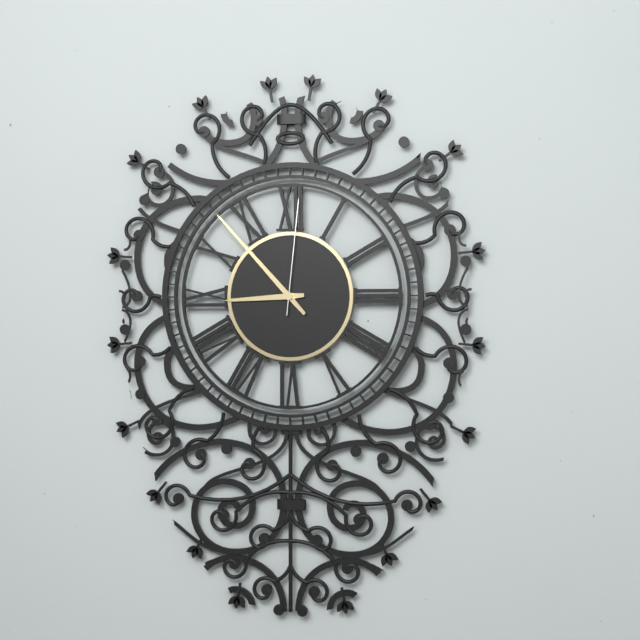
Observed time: 8:53:01
